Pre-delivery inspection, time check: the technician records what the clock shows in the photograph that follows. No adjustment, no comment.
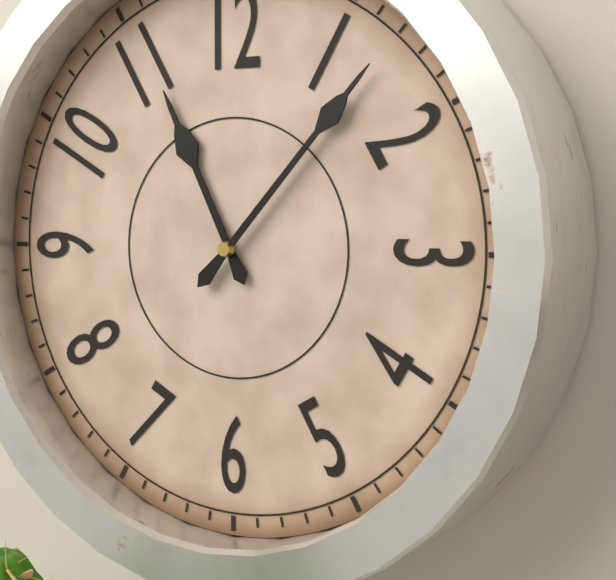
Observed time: 11:07
